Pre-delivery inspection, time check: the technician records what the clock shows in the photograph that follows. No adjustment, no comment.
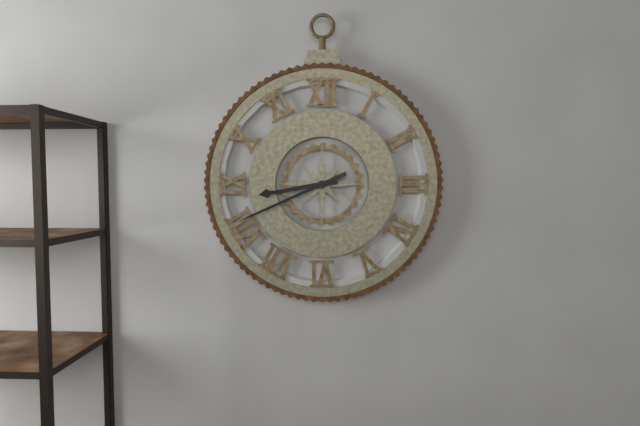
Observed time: 8:41
